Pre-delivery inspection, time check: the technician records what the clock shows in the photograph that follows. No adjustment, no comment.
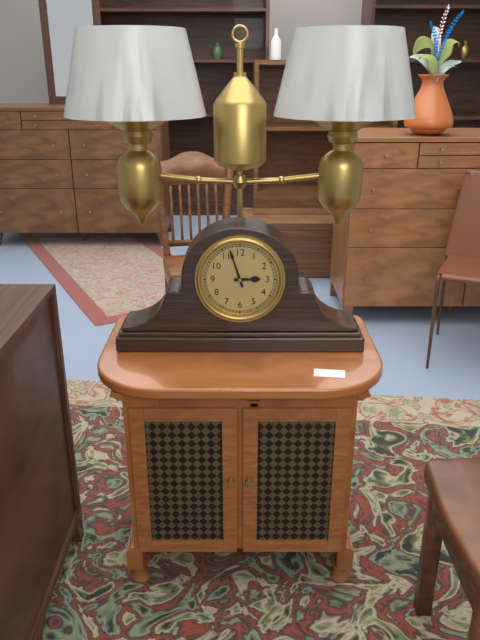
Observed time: 2:57
